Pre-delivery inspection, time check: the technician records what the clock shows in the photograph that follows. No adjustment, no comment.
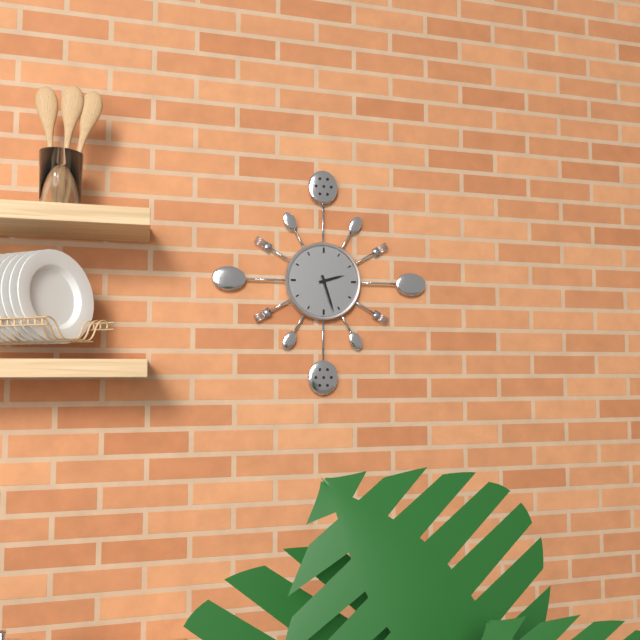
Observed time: 2:27
